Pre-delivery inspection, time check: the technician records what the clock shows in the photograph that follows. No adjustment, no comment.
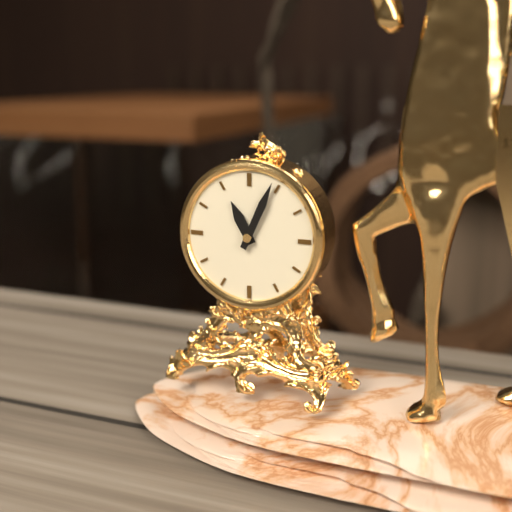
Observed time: 11:04
